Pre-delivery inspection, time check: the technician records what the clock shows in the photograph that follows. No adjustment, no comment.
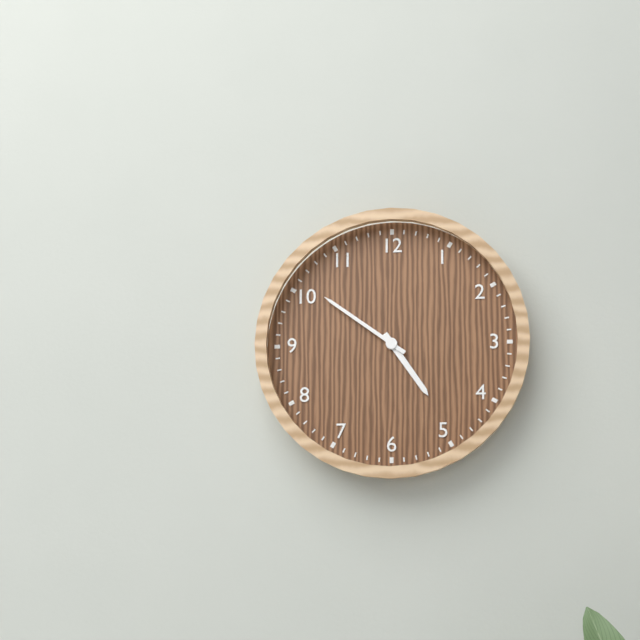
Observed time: 4:51
